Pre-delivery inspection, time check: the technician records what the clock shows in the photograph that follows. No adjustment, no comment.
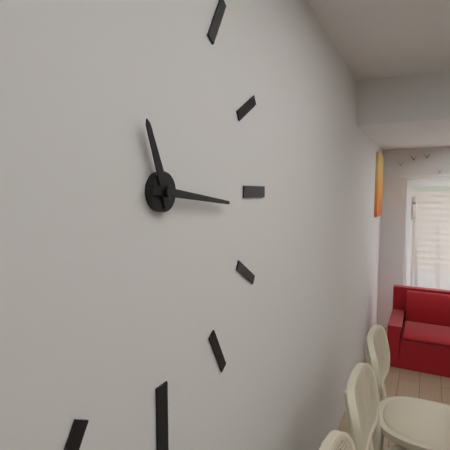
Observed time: 11:16
